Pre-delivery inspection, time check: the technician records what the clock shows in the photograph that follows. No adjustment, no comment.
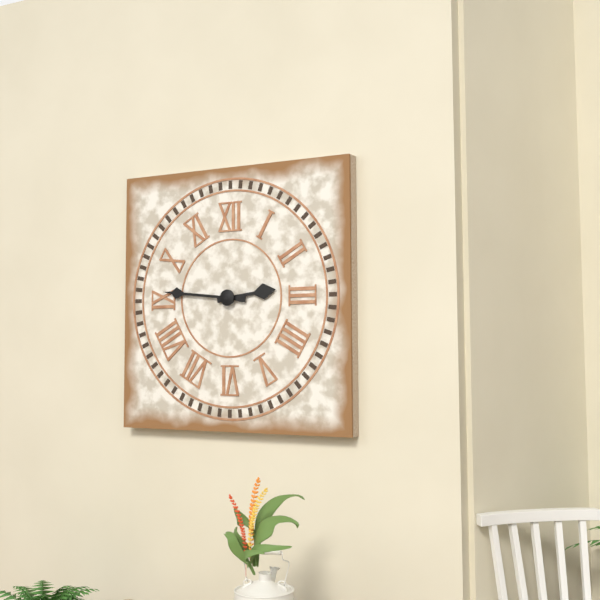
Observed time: 2:46
